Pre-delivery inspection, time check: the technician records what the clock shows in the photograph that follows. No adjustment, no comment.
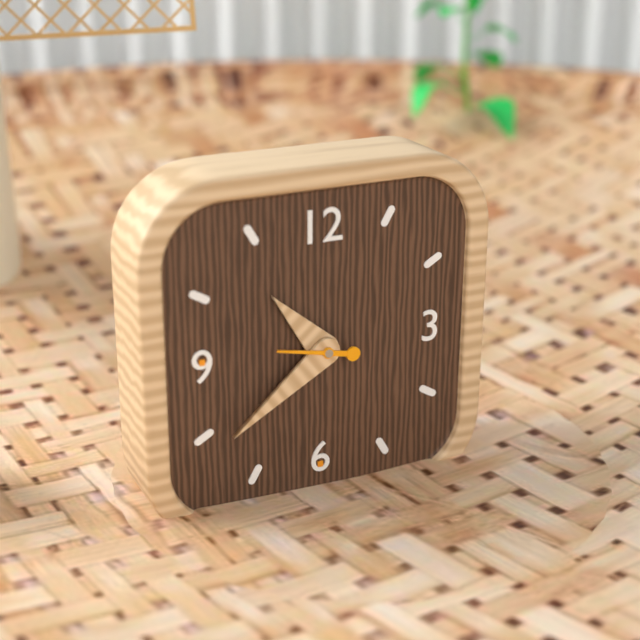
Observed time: 10:39
